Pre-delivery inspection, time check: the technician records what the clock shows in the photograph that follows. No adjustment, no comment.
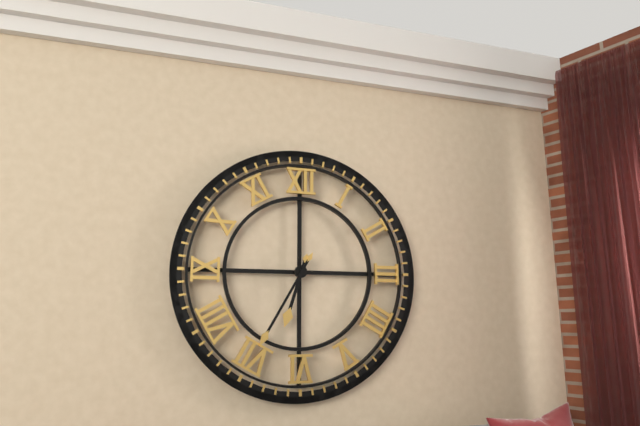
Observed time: 6:35
